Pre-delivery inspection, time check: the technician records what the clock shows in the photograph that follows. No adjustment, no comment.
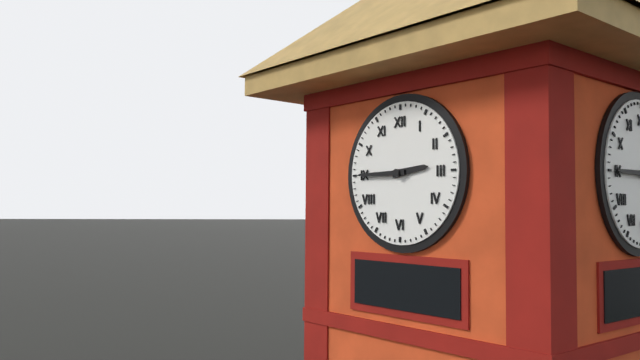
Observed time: 2:45
